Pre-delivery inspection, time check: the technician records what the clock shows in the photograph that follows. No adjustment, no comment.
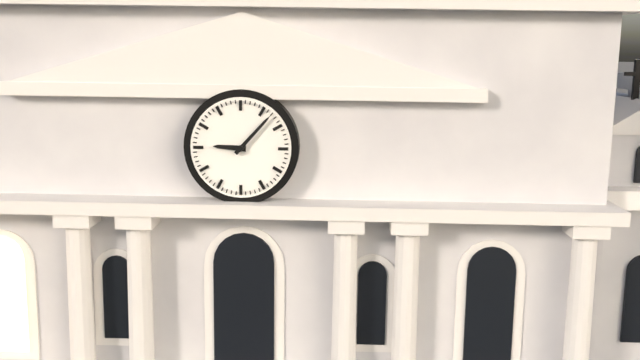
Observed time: 9:07
